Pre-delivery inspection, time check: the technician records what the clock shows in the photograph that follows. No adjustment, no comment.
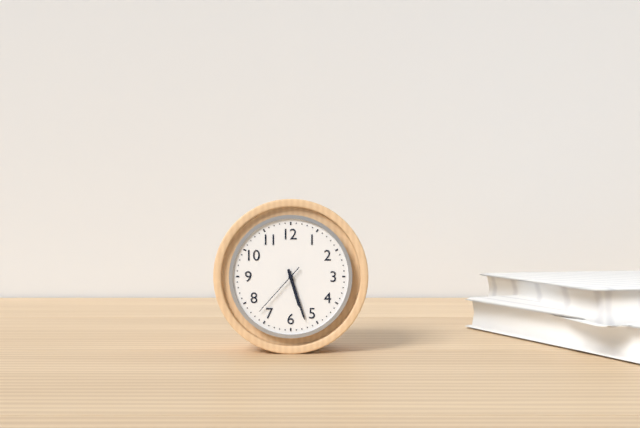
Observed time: 5:27:37
